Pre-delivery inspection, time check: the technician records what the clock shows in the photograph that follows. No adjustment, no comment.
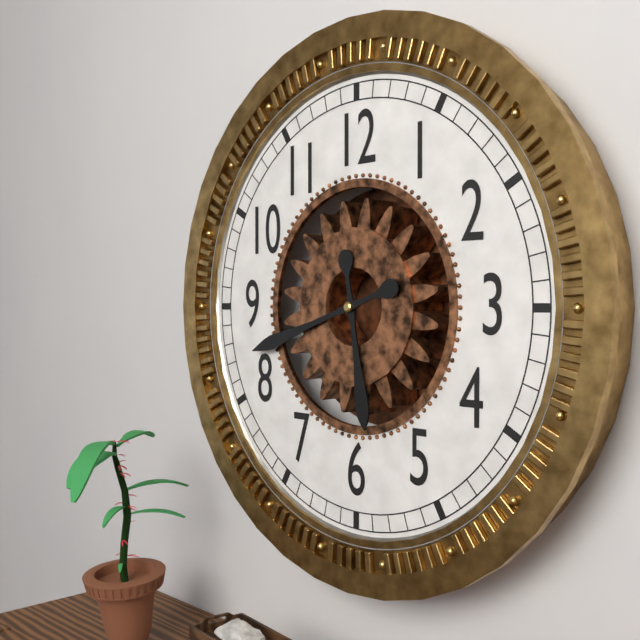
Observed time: 5:42
